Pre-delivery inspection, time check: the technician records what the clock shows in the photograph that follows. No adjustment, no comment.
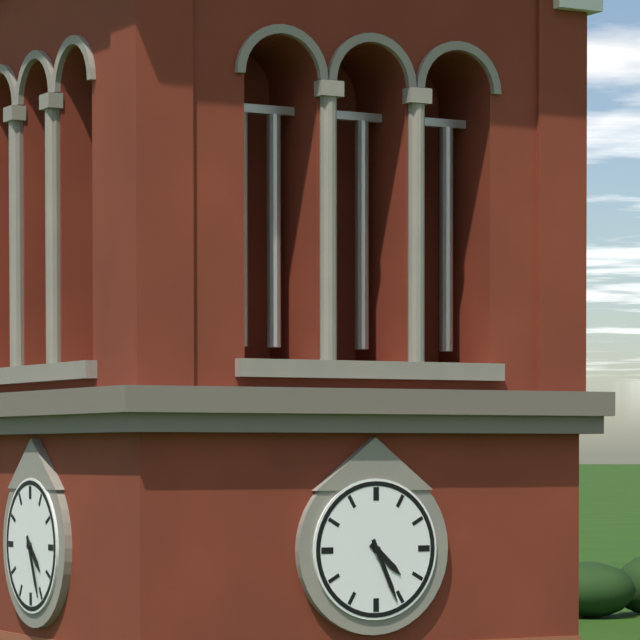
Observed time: 4:26
